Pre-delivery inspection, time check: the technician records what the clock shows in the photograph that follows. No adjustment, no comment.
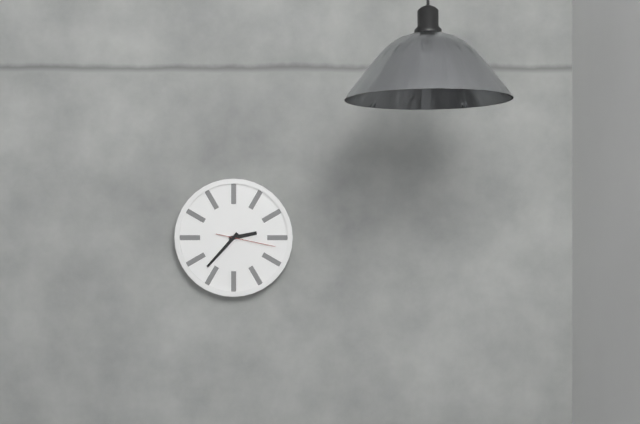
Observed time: 2:37:17
